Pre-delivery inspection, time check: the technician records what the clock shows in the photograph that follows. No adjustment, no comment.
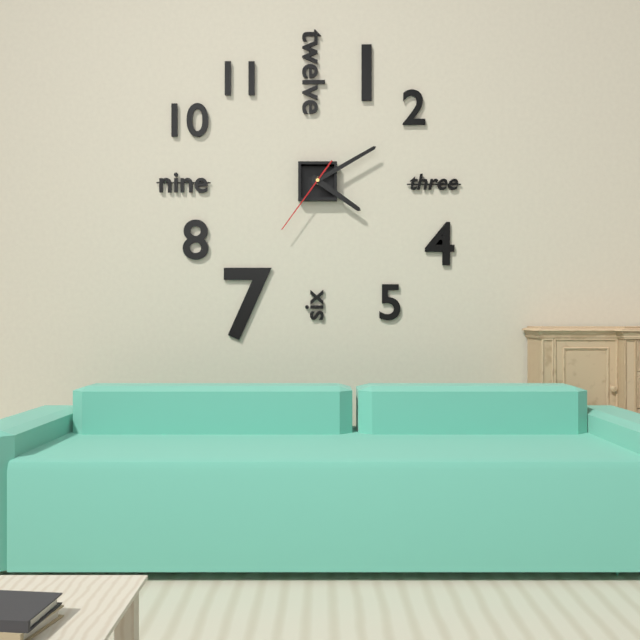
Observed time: 4:10:36
